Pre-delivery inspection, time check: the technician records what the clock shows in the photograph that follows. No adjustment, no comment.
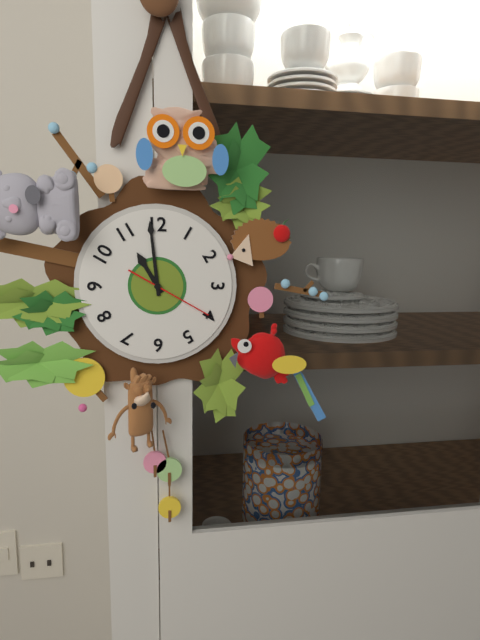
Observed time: 10:59:20
